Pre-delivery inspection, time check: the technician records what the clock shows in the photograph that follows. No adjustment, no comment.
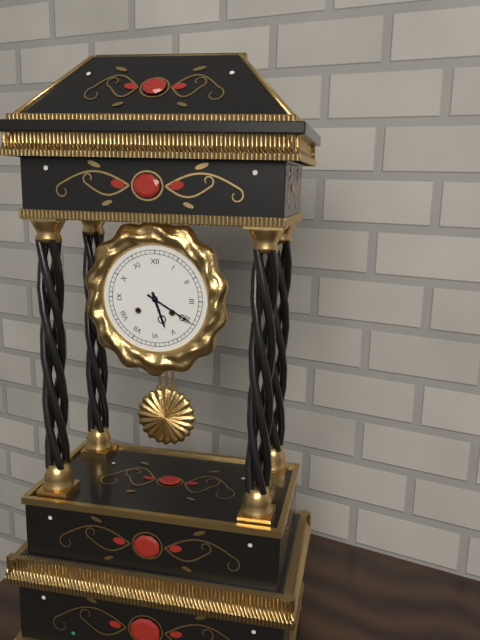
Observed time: 5:20
